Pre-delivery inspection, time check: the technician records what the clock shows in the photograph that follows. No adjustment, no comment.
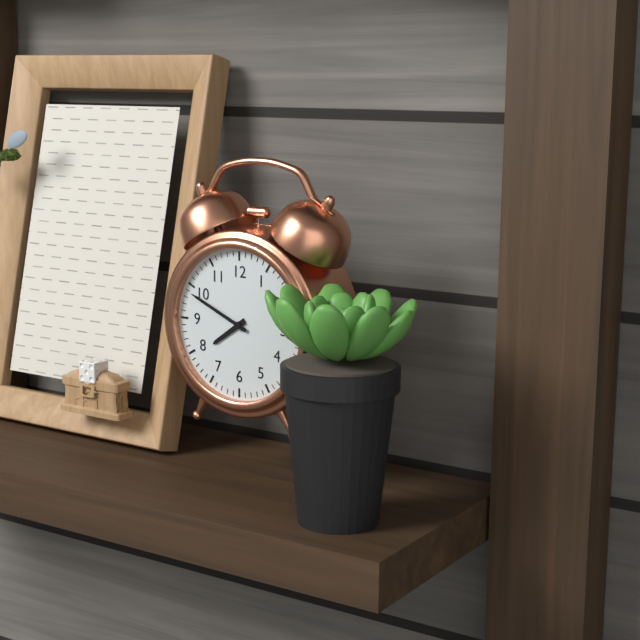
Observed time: 7:49
